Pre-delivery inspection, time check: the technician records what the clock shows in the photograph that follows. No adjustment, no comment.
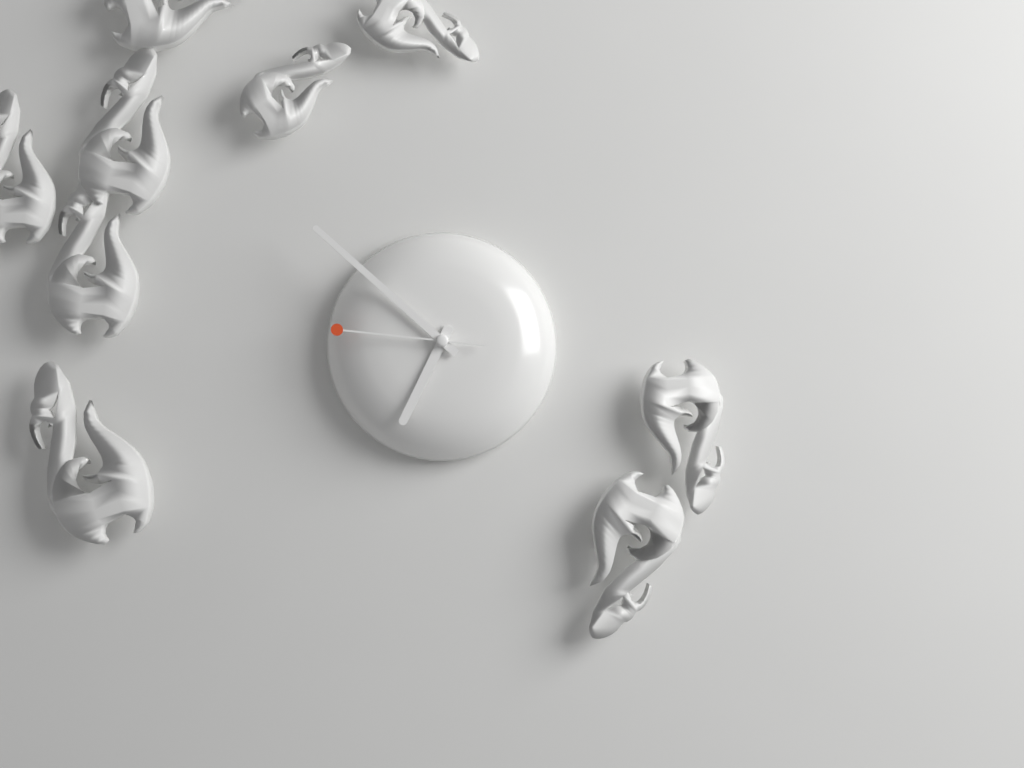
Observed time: 6:52:46
